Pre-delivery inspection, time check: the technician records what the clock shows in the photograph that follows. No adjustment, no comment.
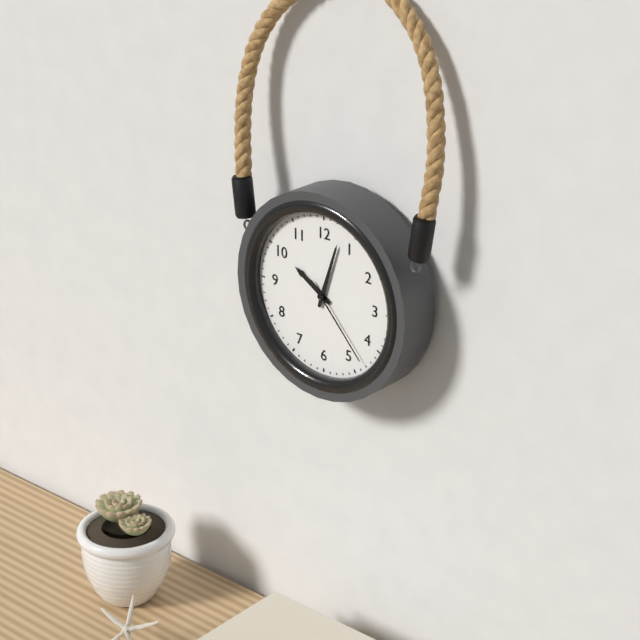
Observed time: 10:03:23
